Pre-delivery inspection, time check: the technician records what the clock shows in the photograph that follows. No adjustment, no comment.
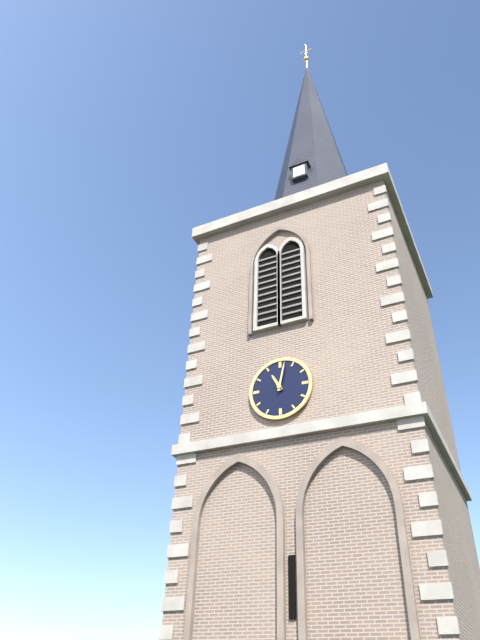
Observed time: 11:02
